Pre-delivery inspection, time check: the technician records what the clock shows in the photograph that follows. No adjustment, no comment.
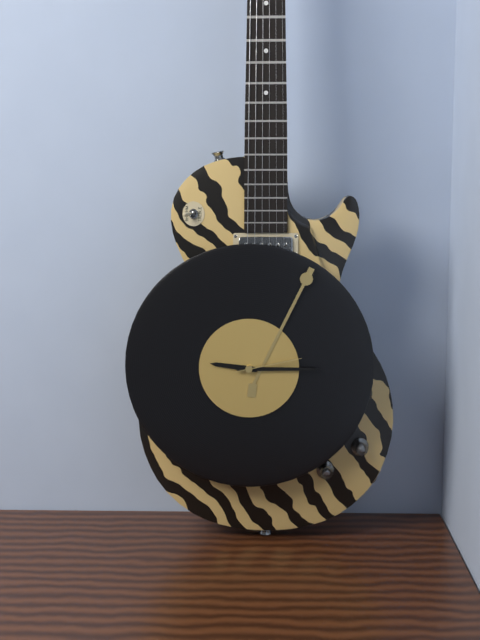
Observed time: 9:15:13
